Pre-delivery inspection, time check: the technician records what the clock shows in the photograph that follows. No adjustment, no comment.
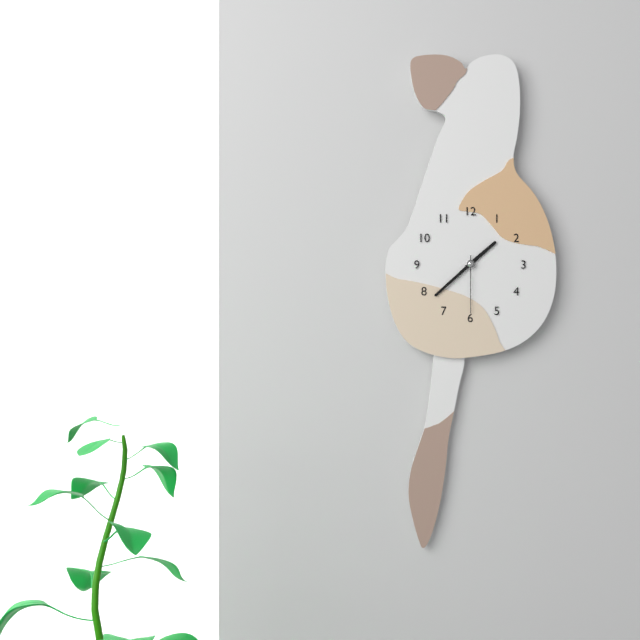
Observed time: 1:38:30
